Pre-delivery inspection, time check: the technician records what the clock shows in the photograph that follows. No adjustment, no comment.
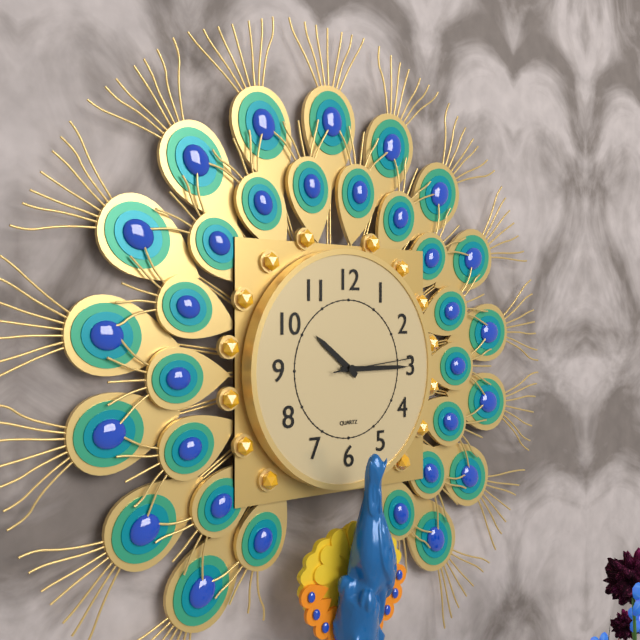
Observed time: 10:15:14
